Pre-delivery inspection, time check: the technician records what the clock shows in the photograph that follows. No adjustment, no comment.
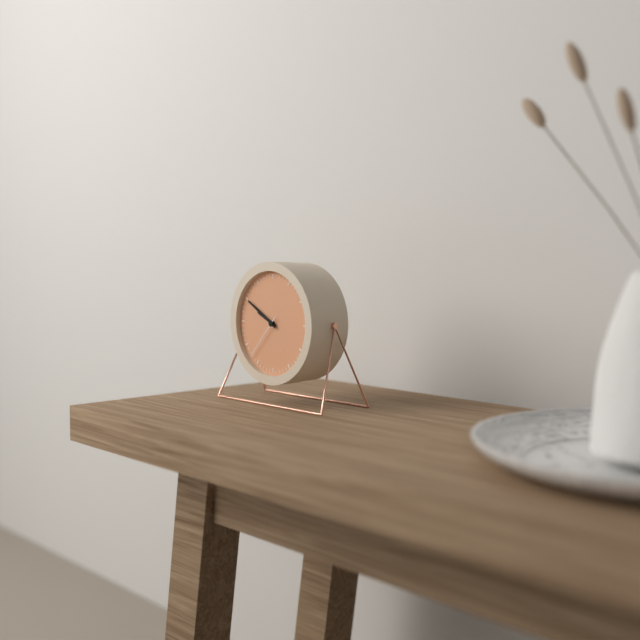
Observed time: 9:50
